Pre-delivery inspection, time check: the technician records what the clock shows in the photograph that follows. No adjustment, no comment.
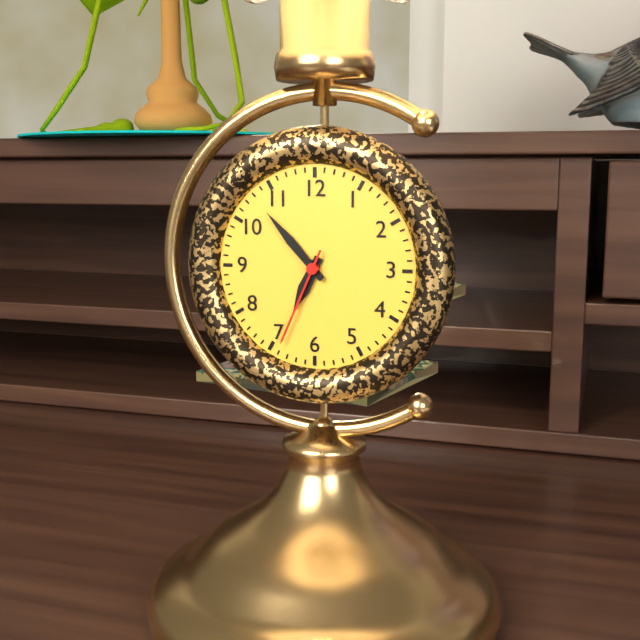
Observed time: 6:53:34
